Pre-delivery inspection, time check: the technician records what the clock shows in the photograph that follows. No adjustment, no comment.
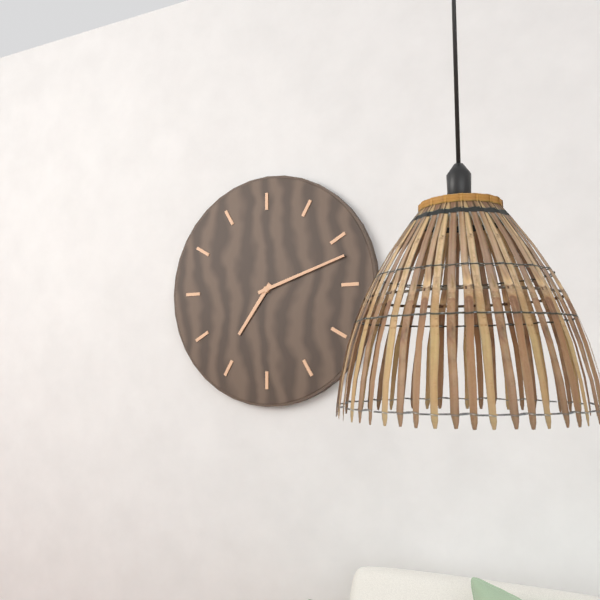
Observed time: 7:12
